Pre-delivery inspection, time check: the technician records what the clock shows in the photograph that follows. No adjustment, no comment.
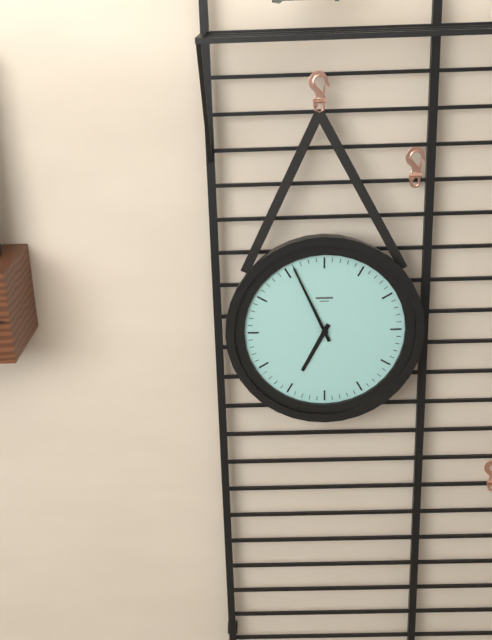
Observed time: 6:56
